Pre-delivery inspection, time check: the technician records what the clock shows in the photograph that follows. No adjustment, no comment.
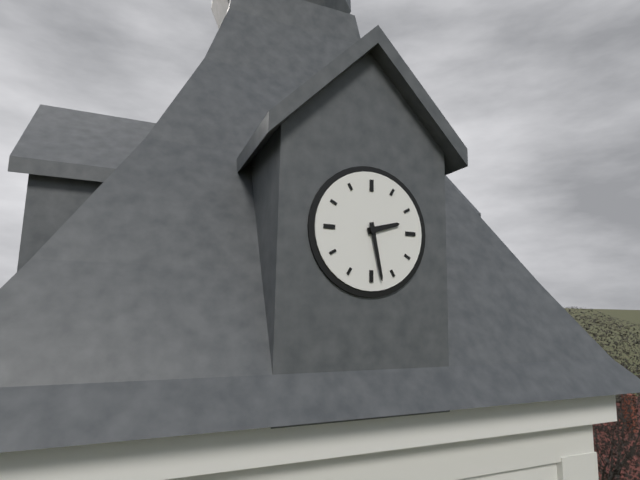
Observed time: 2:28
